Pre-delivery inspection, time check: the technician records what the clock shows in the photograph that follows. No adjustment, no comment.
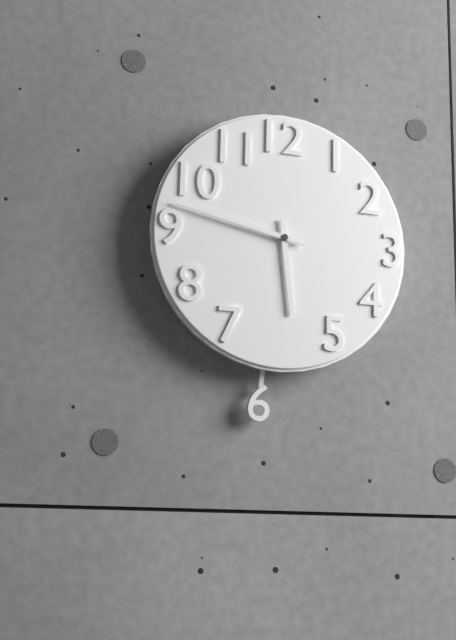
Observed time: 5:47
